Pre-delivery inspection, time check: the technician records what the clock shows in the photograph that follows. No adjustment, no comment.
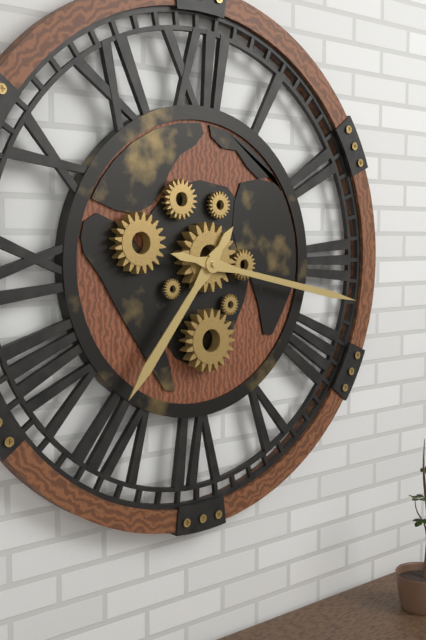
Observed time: 7:17
